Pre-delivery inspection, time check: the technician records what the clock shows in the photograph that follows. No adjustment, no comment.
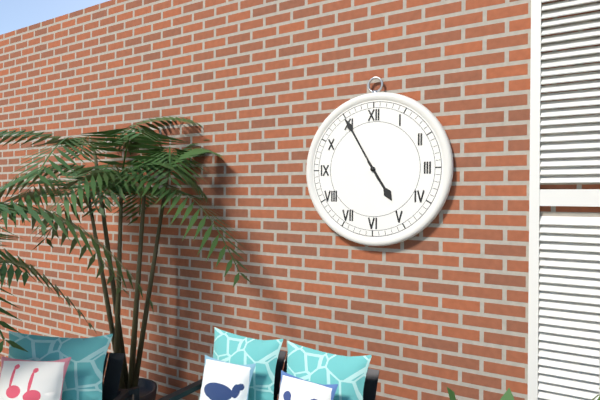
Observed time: 4:55
